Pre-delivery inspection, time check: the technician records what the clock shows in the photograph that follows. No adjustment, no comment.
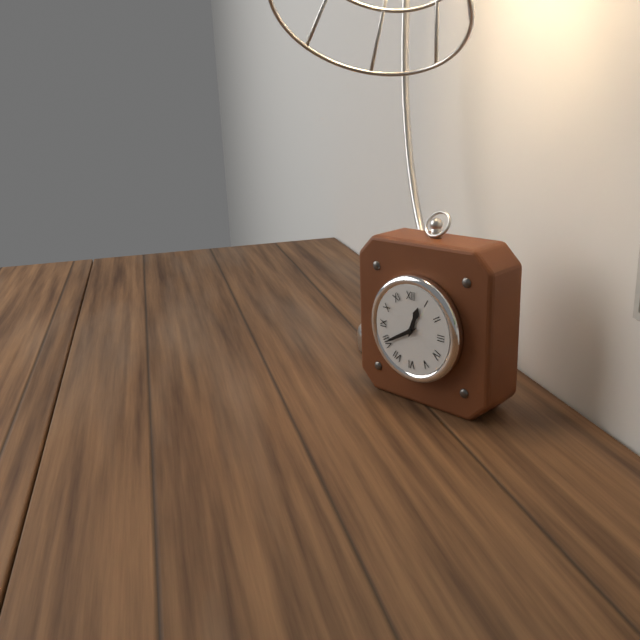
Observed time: 12:40
